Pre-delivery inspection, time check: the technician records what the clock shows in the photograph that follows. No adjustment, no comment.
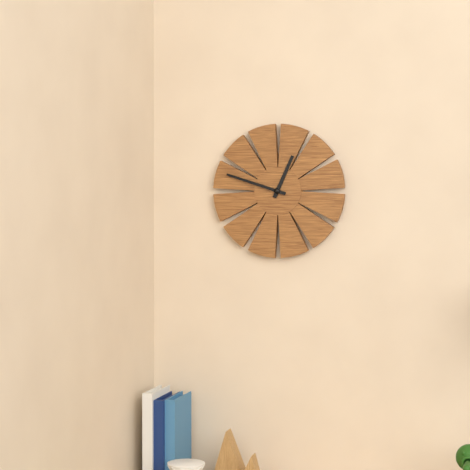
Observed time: 12:48
